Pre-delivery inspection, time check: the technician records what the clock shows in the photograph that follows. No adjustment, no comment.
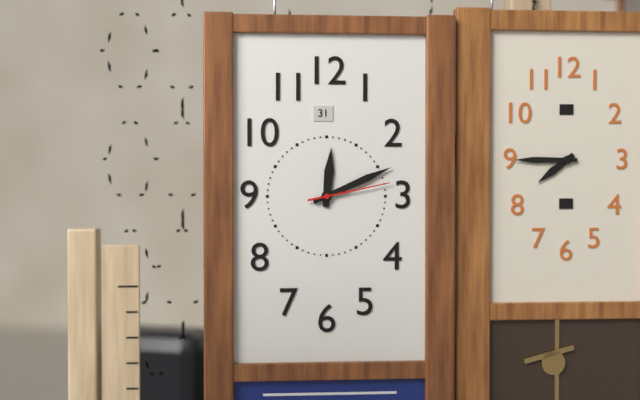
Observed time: 12:11:13
